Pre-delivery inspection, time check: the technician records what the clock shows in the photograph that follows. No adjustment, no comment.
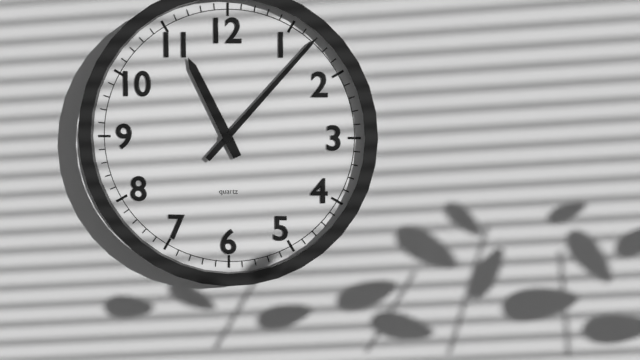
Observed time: 11:07
